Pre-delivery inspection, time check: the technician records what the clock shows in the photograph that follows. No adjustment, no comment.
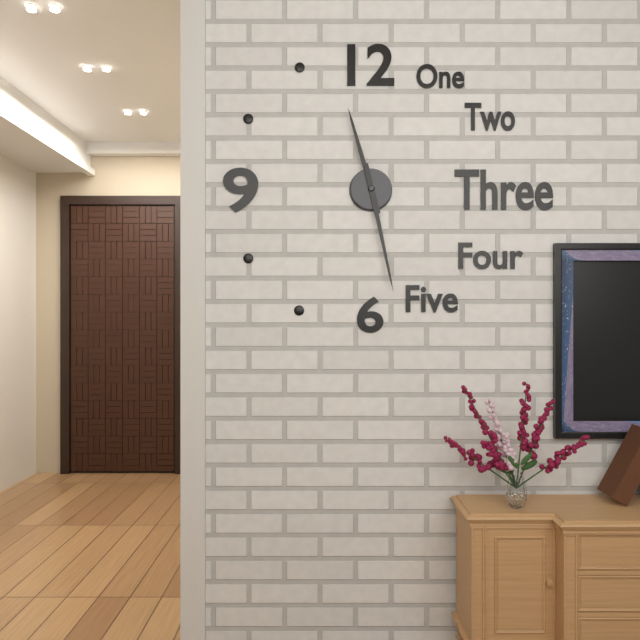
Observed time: 11:28
